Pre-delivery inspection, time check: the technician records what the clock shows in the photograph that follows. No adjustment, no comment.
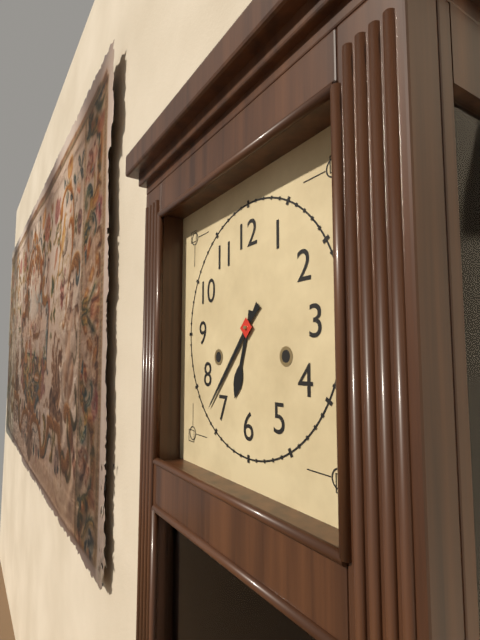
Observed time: 6:37
